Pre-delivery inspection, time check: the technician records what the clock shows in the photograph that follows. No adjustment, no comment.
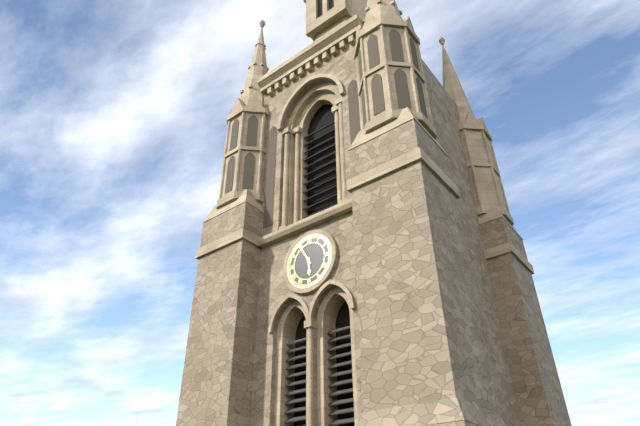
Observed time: 5:55
